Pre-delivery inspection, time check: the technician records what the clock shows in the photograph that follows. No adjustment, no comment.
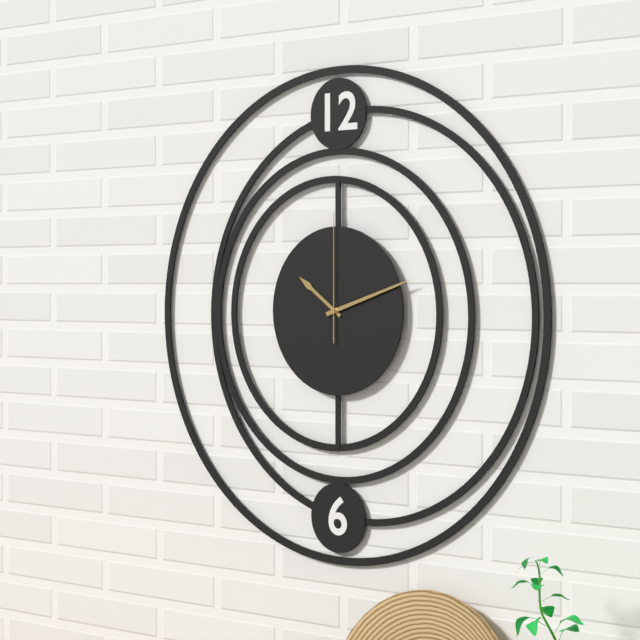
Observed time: 10:12:00
